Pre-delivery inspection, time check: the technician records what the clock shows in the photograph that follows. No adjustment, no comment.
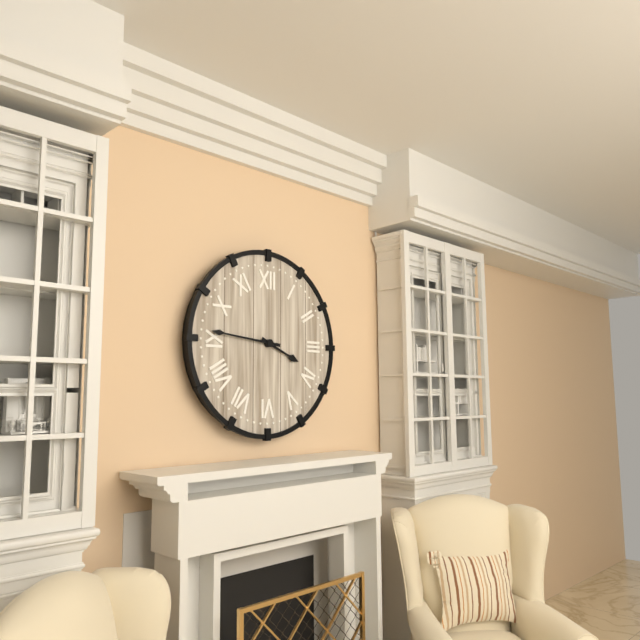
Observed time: 3:46
